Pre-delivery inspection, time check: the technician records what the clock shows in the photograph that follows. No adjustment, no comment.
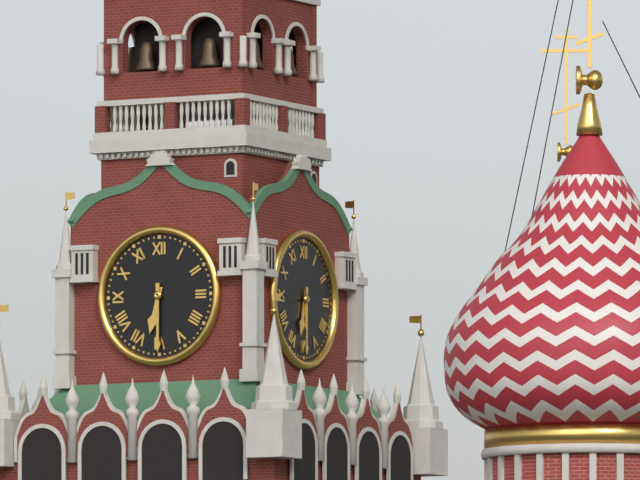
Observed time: 6:30
